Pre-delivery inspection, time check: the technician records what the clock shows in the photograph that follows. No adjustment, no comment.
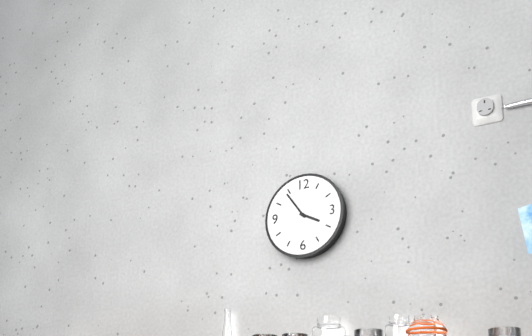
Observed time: 3:54
